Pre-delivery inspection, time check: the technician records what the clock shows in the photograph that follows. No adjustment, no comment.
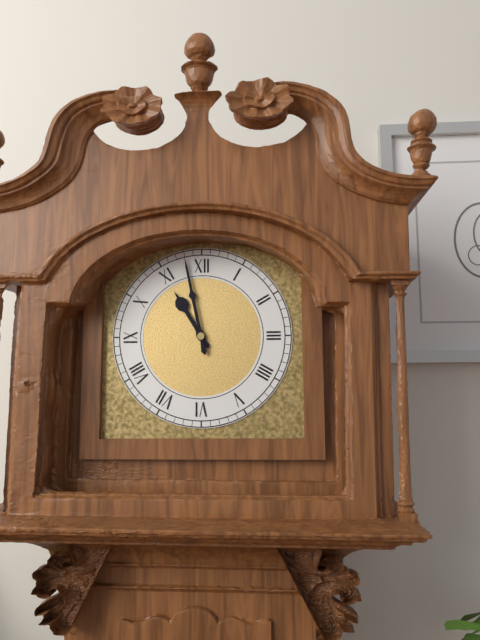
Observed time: 10:58
